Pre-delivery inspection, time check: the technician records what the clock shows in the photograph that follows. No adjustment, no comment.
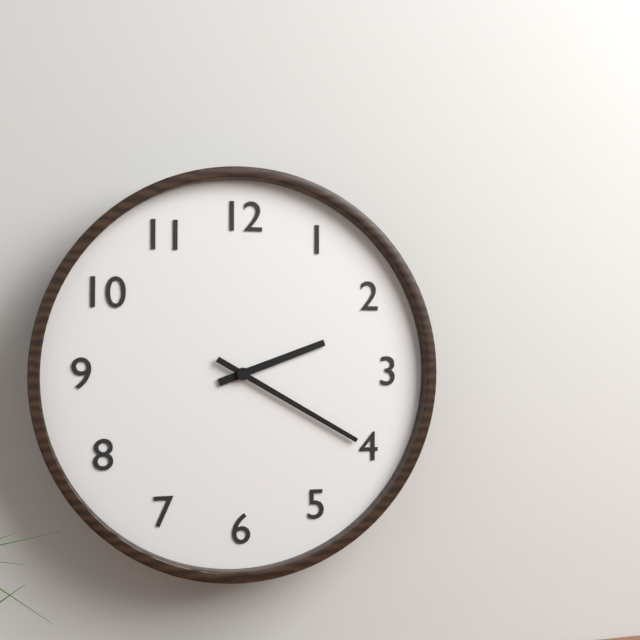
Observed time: 2:20
